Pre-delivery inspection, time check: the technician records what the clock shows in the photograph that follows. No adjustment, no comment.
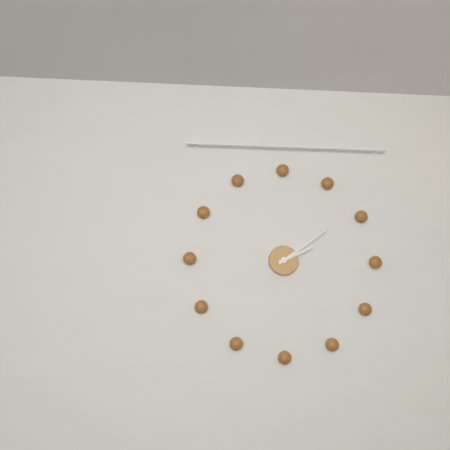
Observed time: 2:09
